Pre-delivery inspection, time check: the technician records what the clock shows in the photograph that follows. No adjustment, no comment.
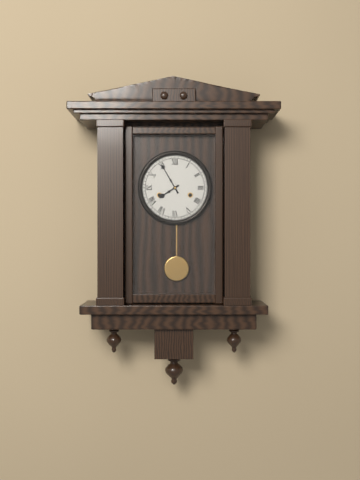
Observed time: 7:55
